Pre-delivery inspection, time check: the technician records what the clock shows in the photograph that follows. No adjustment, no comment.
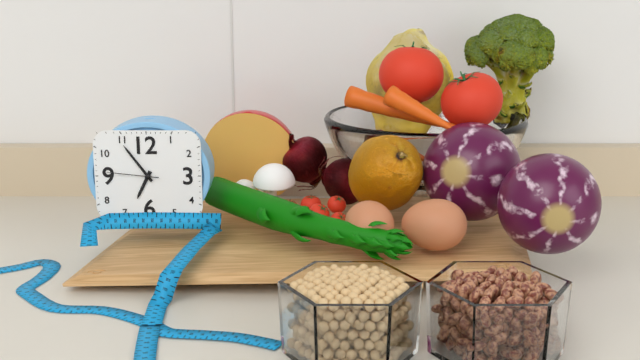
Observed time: 6:54:46
